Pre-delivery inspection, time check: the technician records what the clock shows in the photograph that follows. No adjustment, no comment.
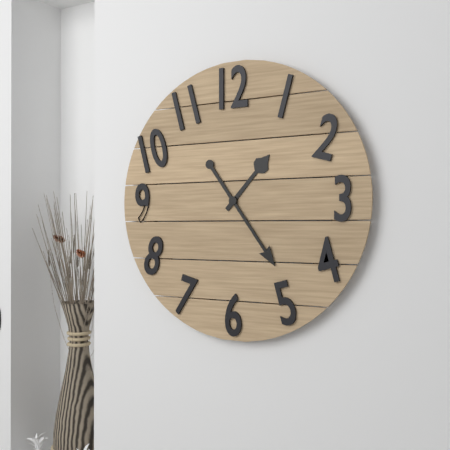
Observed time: 1:24
